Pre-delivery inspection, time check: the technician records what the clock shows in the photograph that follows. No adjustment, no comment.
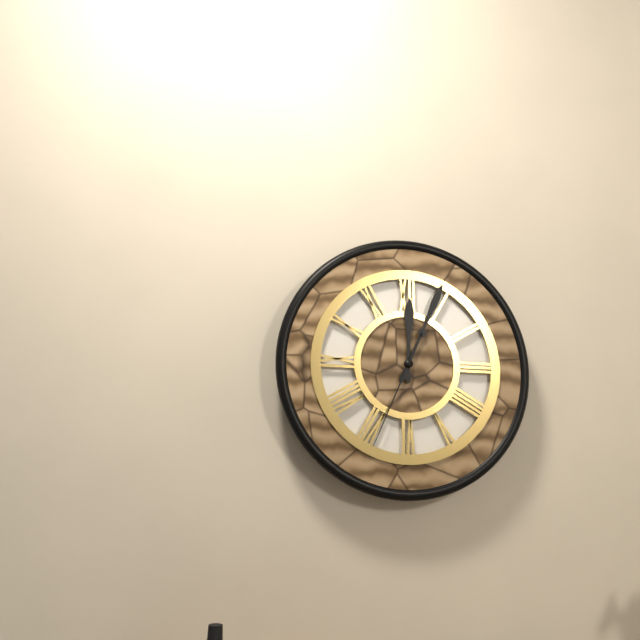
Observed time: 12:04:34
